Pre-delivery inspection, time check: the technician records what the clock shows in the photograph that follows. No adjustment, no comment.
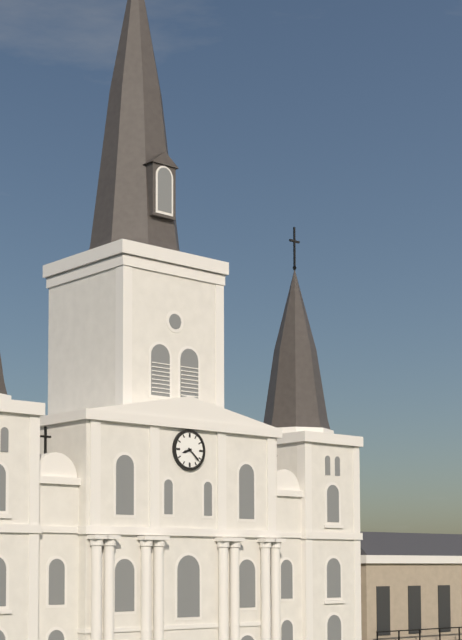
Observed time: 8:22
